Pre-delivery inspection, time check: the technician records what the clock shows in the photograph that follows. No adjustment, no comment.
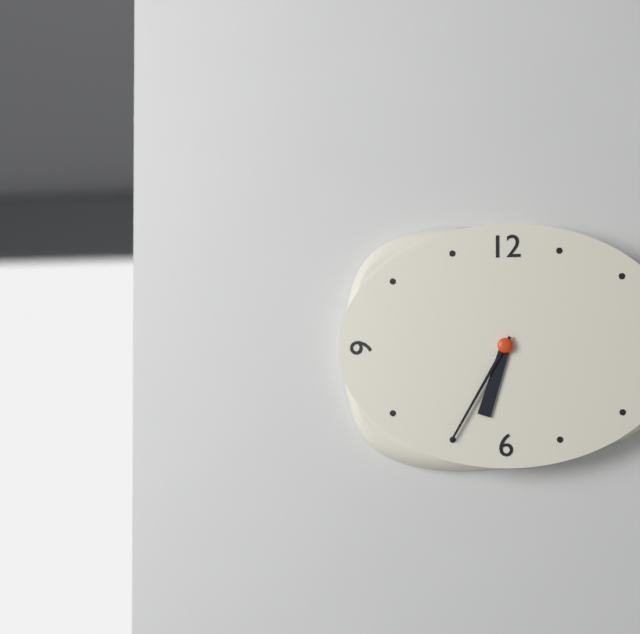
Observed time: 6:35
